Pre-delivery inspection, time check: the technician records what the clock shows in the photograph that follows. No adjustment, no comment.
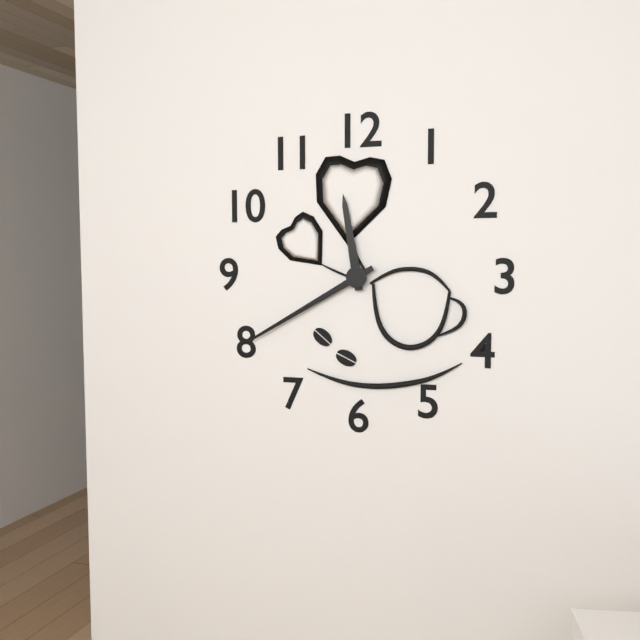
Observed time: 11:40
